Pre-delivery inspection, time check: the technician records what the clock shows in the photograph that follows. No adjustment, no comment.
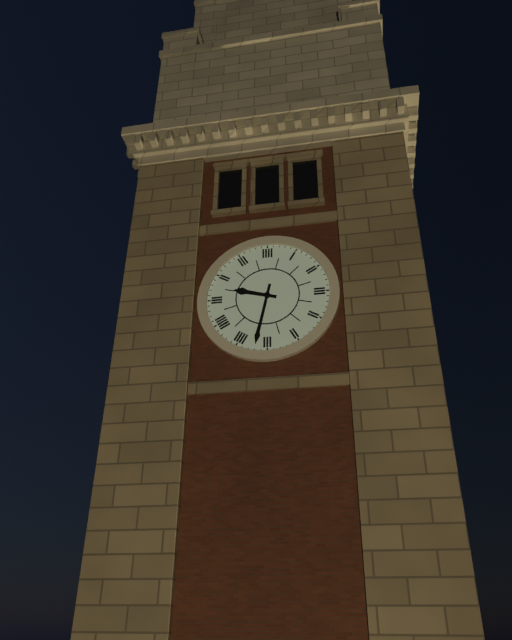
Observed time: 9:32
